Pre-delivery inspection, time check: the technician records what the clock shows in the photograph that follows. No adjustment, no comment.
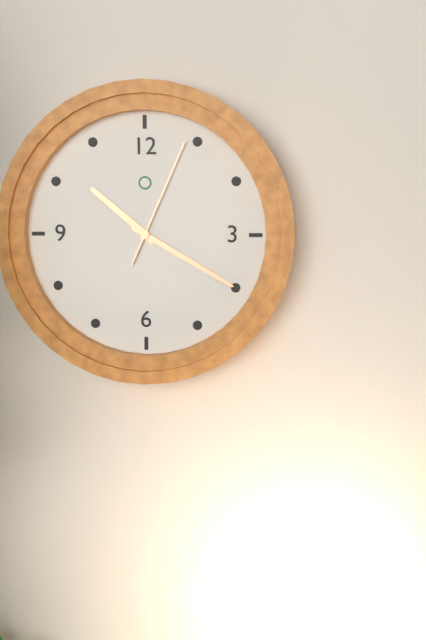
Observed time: 10:20:04
